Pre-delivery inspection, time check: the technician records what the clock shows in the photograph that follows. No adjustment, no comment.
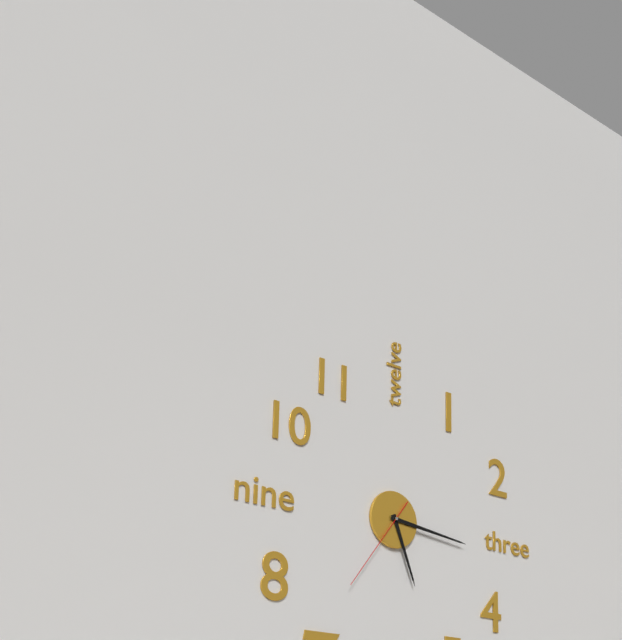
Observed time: 5:16:36
